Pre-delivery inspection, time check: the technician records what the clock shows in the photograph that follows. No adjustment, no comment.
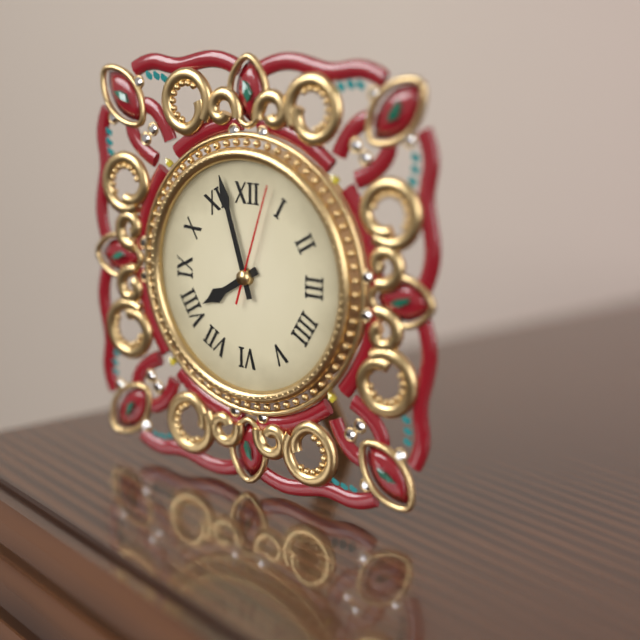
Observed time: 7:57:03
